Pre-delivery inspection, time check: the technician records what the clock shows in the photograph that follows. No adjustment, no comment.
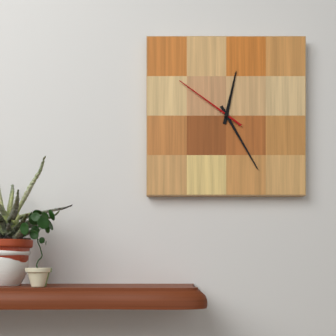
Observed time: 12:25:51
